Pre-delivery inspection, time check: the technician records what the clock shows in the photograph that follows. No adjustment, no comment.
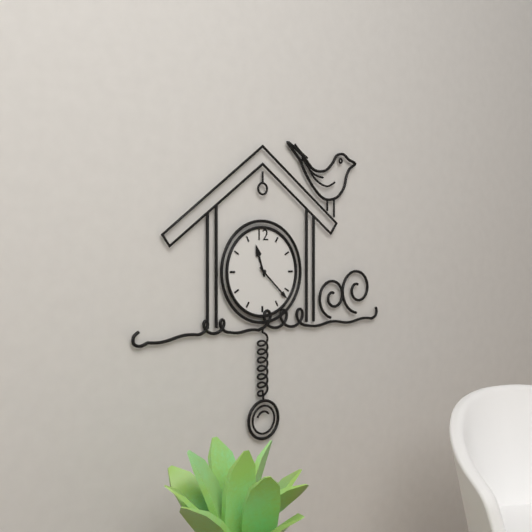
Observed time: 11:22
